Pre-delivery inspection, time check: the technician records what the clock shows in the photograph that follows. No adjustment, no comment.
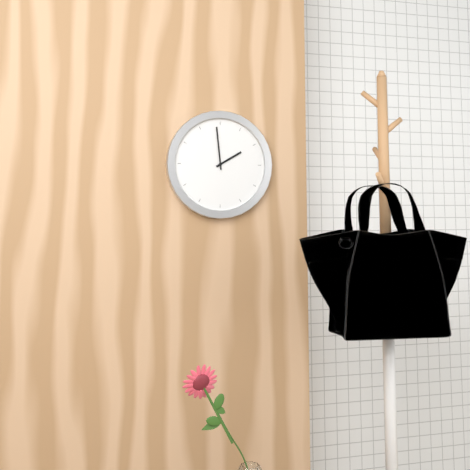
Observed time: 1:59
